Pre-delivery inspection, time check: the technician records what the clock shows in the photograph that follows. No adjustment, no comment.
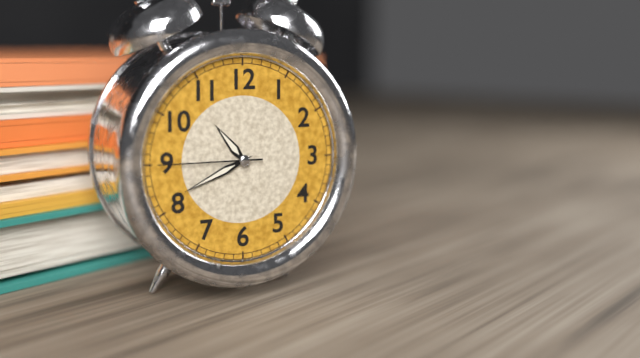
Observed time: 10:41:45
